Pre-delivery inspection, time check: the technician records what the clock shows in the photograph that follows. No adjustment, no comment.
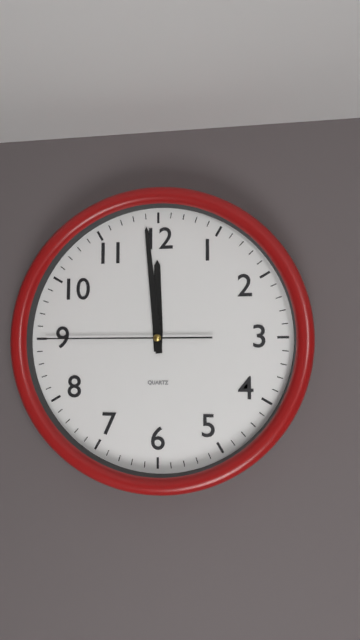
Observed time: 11:59:45
